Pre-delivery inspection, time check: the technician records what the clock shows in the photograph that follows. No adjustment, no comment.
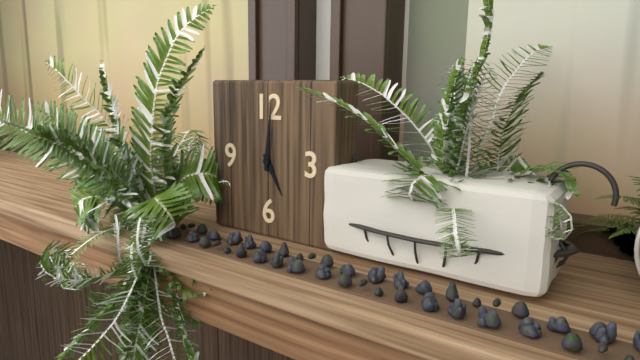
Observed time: 5:01
